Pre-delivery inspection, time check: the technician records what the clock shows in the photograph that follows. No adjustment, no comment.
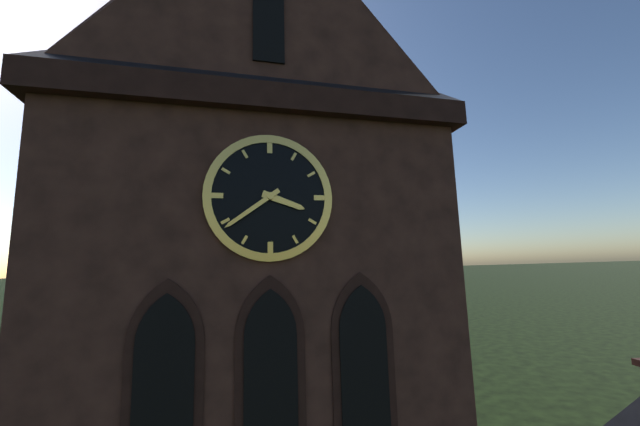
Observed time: 3:39
